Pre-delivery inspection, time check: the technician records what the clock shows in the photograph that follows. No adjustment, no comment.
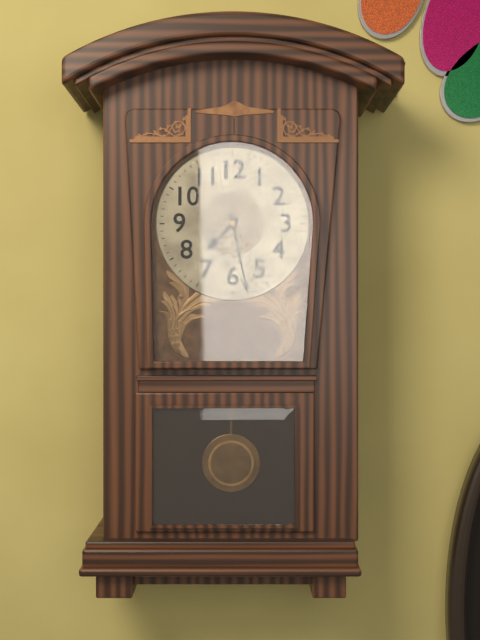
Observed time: 7:28
